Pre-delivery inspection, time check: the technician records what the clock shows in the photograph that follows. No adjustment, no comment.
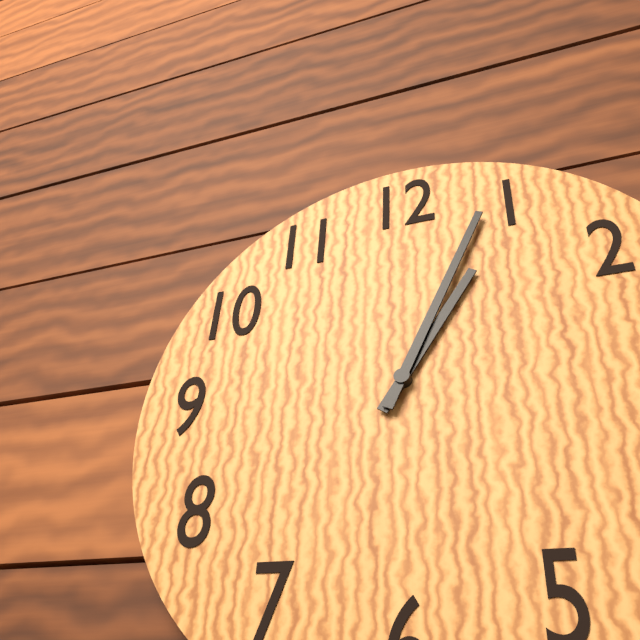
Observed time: 1:04
